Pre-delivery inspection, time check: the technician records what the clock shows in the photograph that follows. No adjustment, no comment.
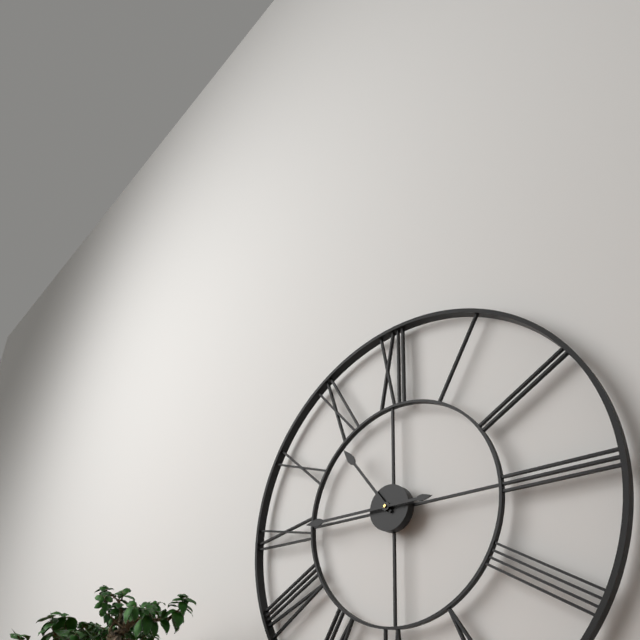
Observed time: 10:45
